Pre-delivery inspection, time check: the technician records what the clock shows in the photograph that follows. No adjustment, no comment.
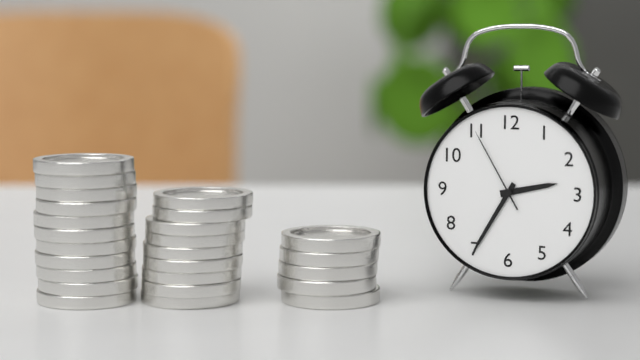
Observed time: 2:35:55
